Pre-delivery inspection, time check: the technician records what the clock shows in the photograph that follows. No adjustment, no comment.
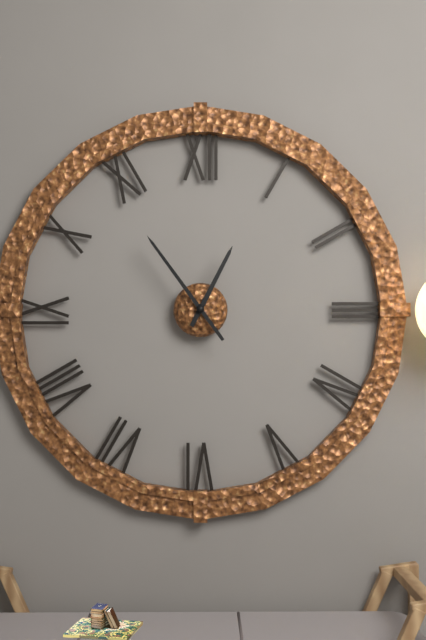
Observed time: 12:54
